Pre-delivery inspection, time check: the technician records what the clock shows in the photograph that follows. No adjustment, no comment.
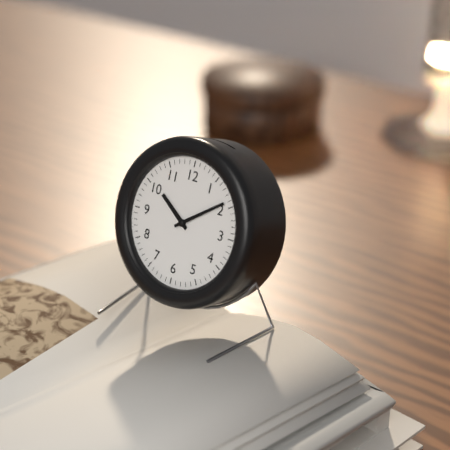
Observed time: 10:09
